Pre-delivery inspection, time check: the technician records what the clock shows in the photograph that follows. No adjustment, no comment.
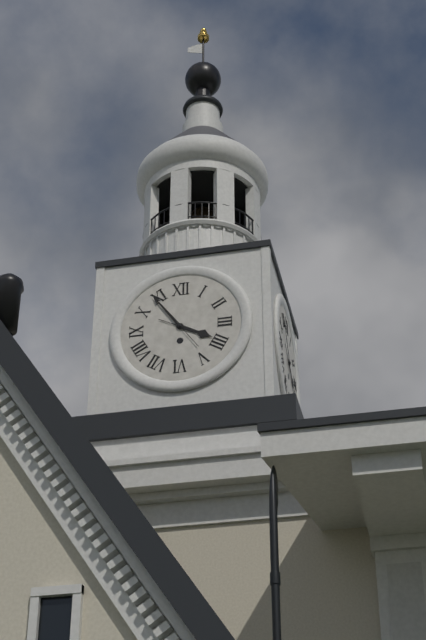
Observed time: 3:54
